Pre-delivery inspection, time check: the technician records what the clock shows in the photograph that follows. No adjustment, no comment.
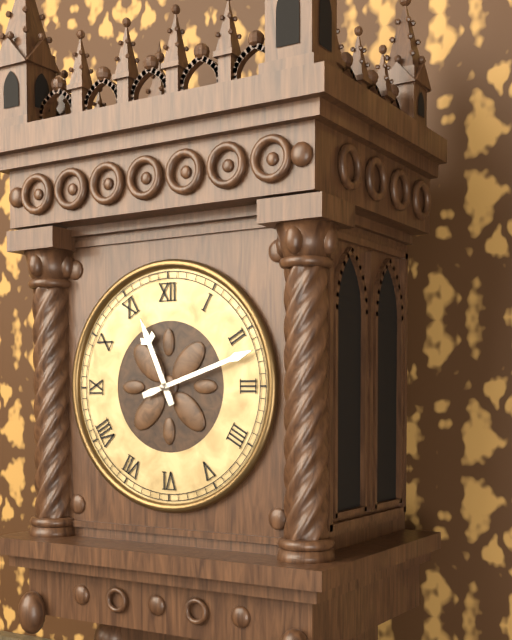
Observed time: 11:12
